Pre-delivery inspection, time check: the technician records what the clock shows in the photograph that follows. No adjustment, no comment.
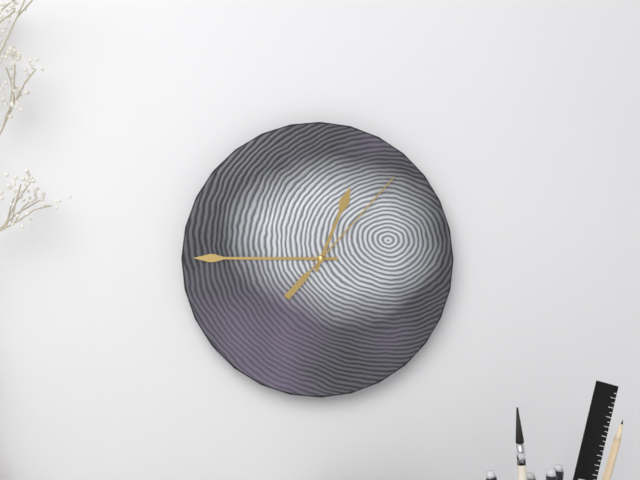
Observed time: 12:45:07
